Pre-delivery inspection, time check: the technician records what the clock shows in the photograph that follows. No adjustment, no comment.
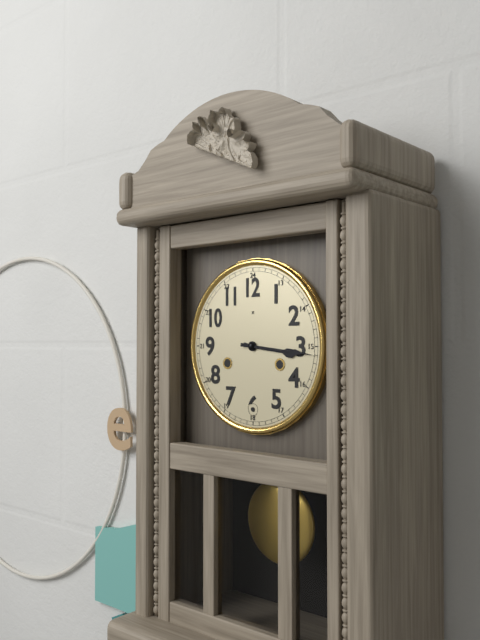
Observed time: 3:16
